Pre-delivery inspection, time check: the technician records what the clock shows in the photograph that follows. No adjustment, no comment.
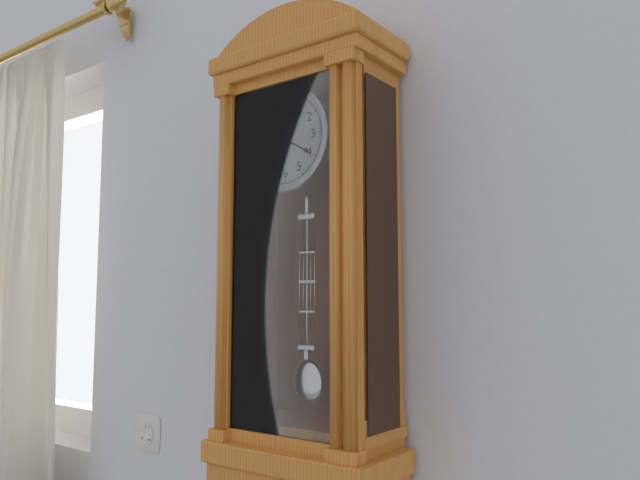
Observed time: 6:20
